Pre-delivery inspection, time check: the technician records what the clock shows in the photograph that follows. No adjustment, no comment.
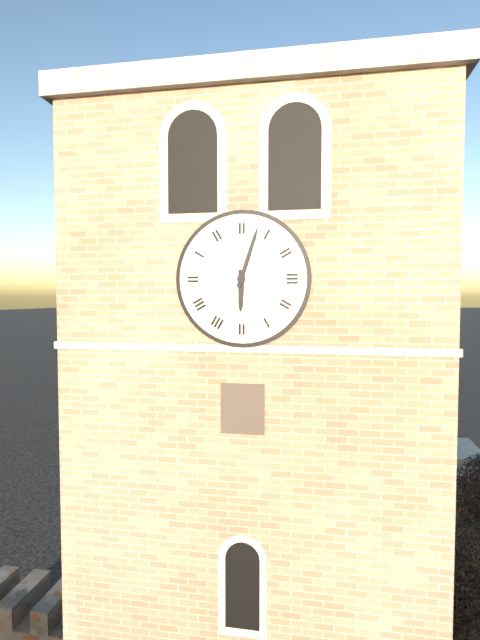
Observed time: 6:03
